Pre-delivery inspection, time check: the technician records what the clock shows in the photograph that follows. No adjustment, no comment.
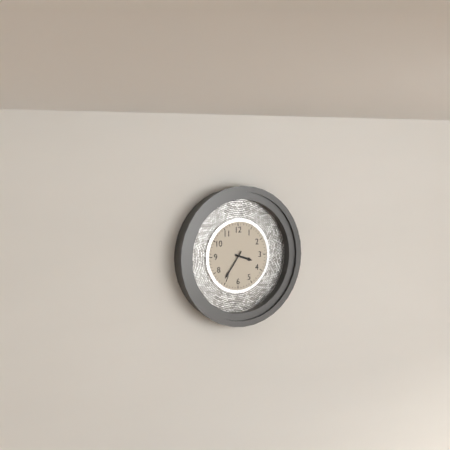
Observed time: 3:36
